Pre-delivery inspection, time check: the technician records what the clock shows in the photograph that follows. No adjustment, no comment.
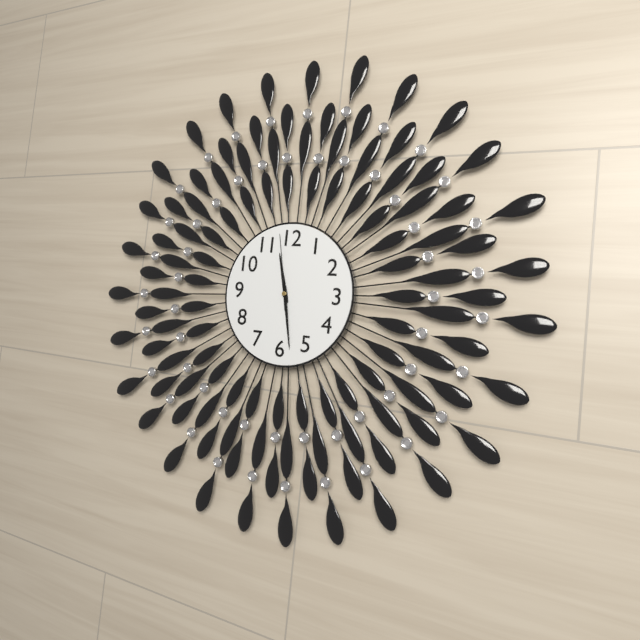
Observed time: 11:28:58
